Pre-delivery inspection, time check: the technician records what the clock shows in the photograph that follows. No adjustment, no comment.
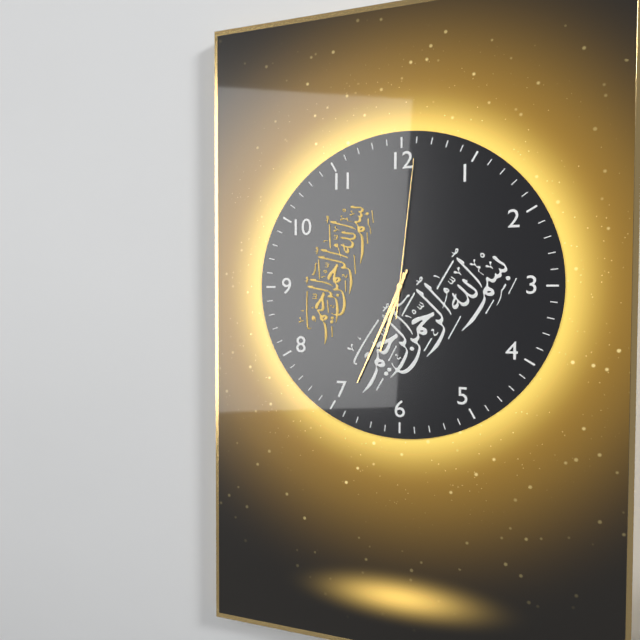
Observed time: 6:34:01
